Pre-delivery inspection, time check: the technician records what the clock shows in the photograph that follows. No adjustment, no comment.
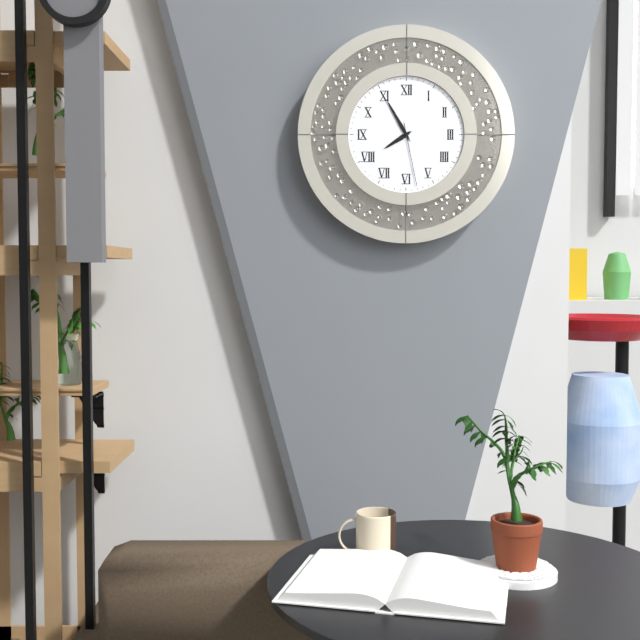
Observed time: 7:55:28
